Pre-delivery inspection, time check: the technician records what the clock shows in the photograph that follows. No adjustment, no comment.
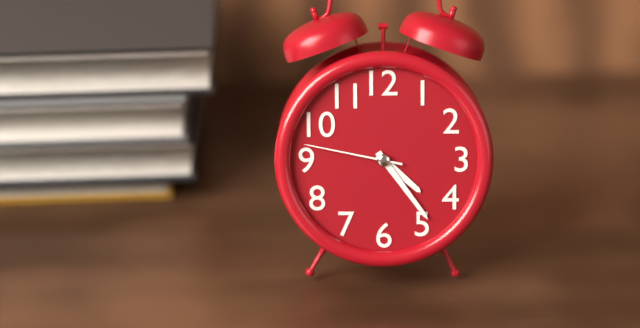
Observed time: 4:24:47
